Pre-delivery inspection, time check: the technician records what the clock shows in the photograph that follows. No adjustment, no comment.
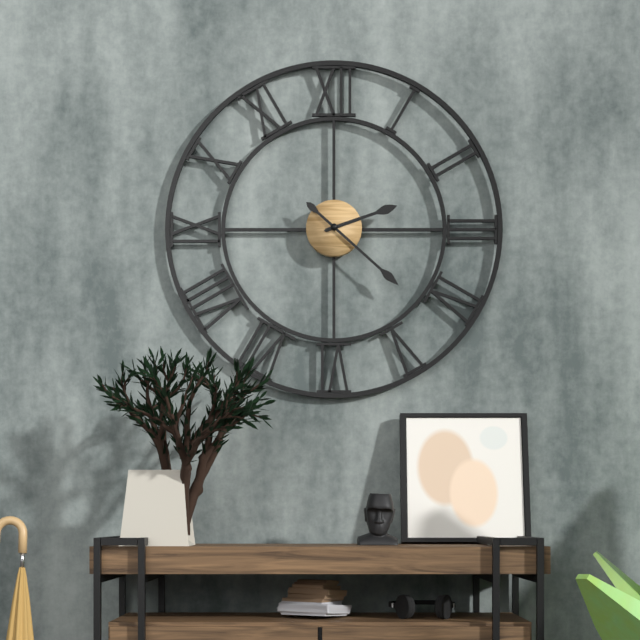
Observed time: 2:22
